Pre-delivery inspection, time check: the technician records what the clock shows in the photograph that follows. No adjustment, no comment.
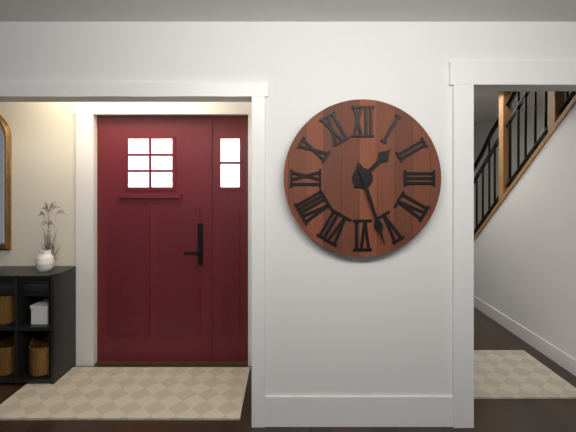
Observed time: 1:27
